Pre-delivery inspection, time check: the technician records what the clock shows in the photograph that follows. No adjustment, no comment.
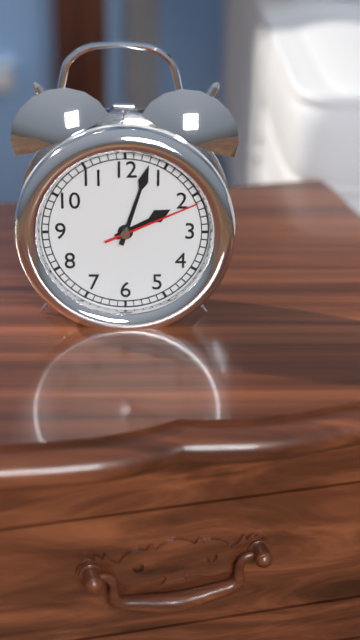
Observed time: 2:03:11
